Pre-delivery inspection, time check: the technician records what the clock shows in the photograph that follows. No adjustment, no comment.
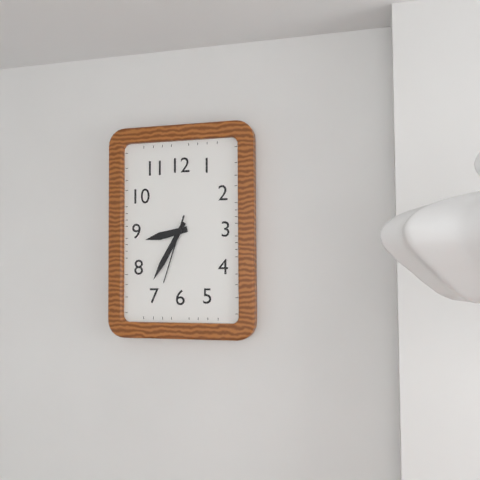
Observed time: 8:35:33
